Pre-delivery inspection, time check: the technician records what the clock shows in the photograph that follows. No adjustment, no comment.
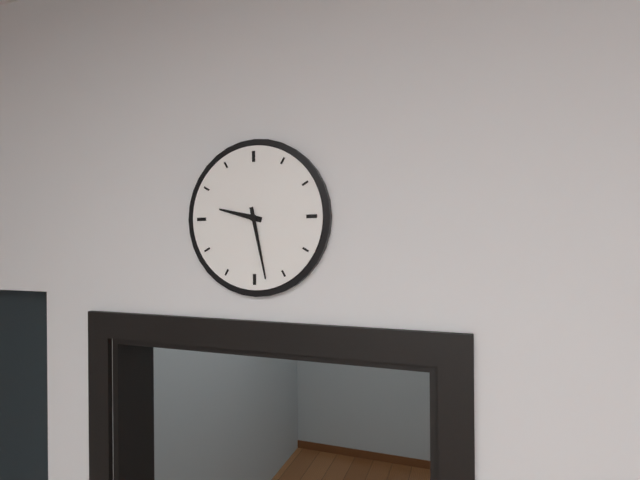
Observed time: 9:28
